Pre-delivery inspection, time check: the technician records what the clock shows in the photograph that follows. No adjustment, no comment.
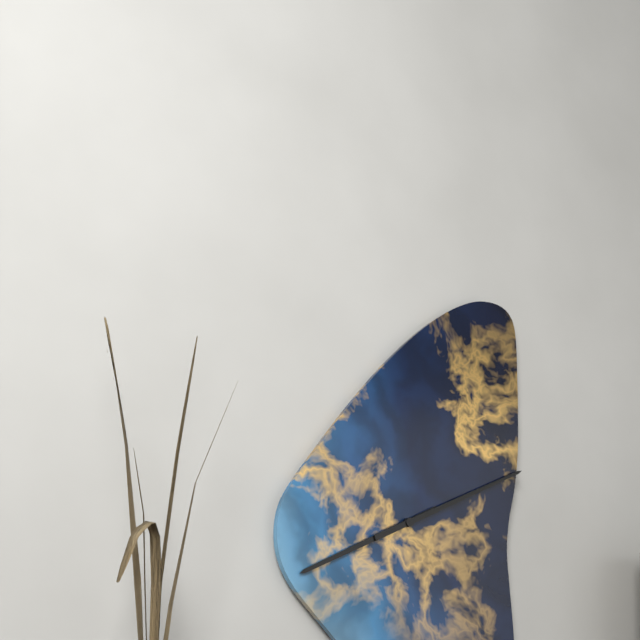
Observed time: 8:11
